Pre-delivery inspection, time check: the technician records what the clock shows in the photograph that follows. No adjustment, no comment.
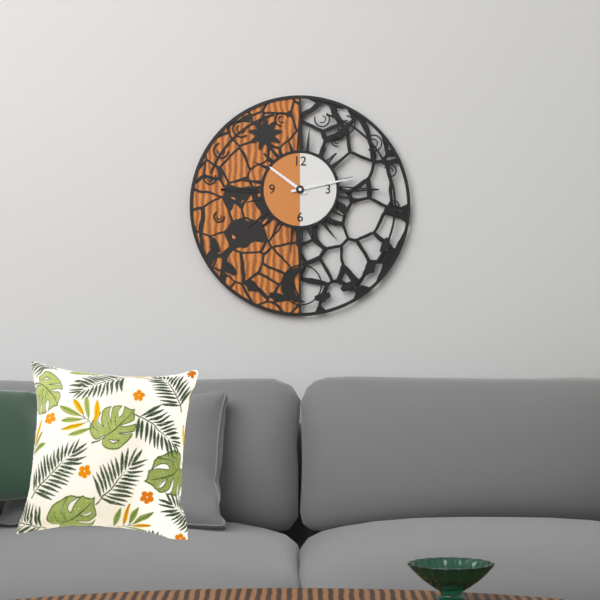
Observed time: 10:13
